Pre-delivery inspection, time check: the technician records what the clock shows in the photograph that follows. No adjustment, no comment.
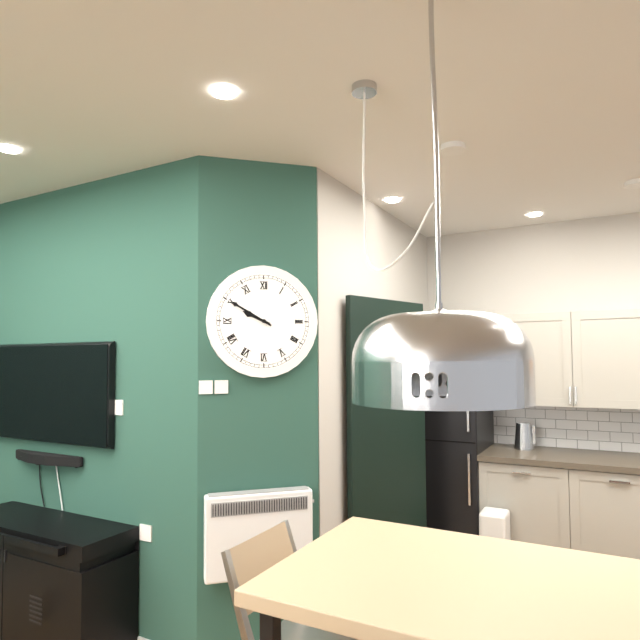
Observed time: 9:50
